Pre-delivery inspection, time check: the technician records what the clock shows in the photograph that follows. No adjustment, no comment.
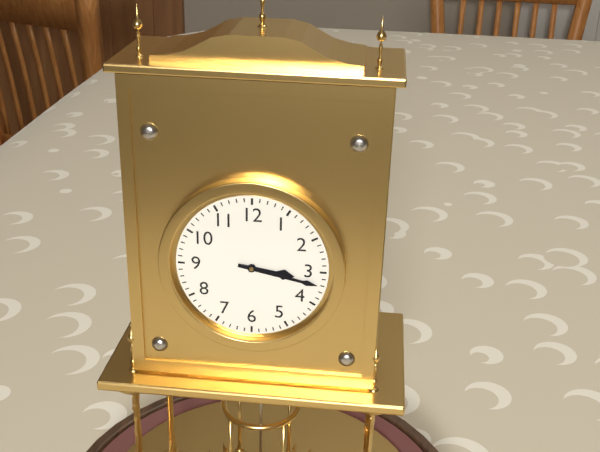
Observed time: 3:17
